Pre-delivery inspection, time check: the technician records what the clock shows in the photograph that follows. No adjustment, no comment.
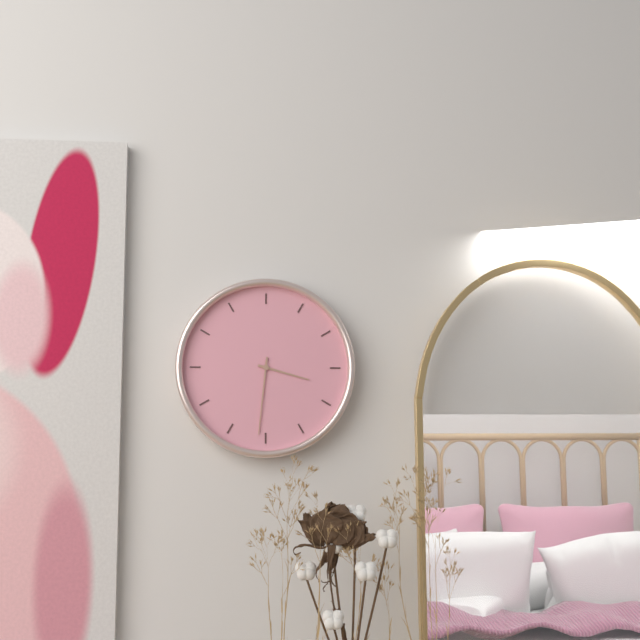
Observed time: 3:31
